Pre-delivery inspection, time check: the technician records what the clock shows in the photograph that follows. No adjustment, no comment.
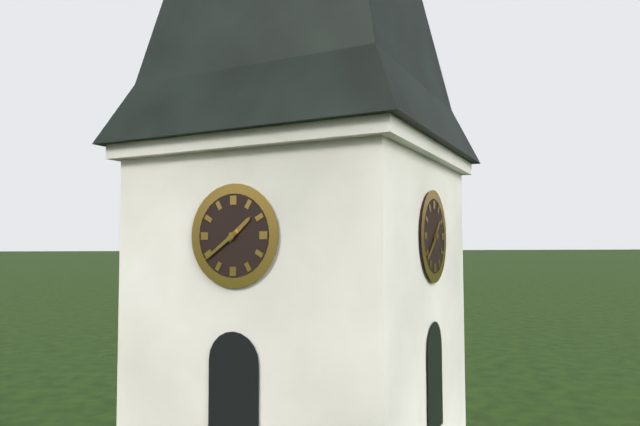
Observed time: 1:39
